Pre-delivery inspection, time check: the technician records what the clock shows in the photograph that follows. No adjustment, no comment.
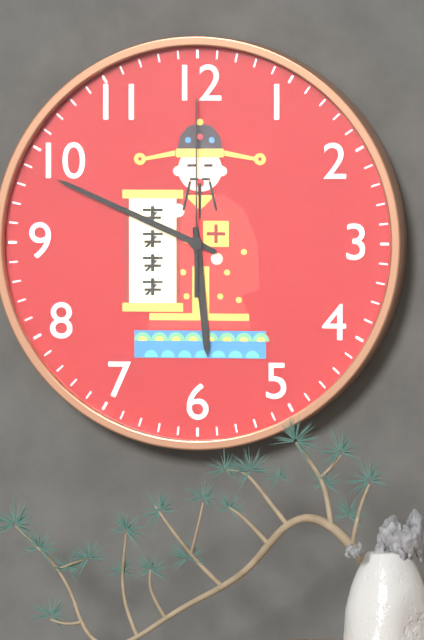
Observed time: 5:49:00
